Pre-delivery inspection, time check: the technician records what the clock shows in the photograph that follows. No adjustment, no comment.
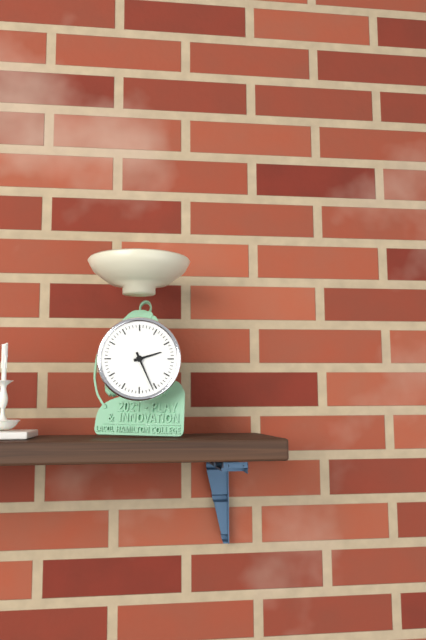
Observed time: 2:26
